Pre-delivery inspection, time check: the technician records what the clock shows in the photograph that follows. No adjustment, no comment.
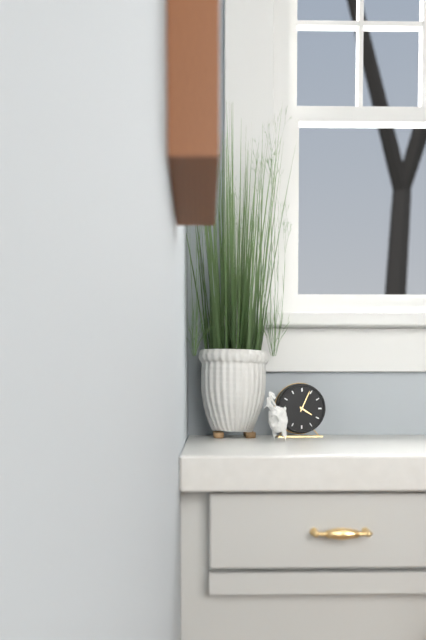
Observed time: 4:04
